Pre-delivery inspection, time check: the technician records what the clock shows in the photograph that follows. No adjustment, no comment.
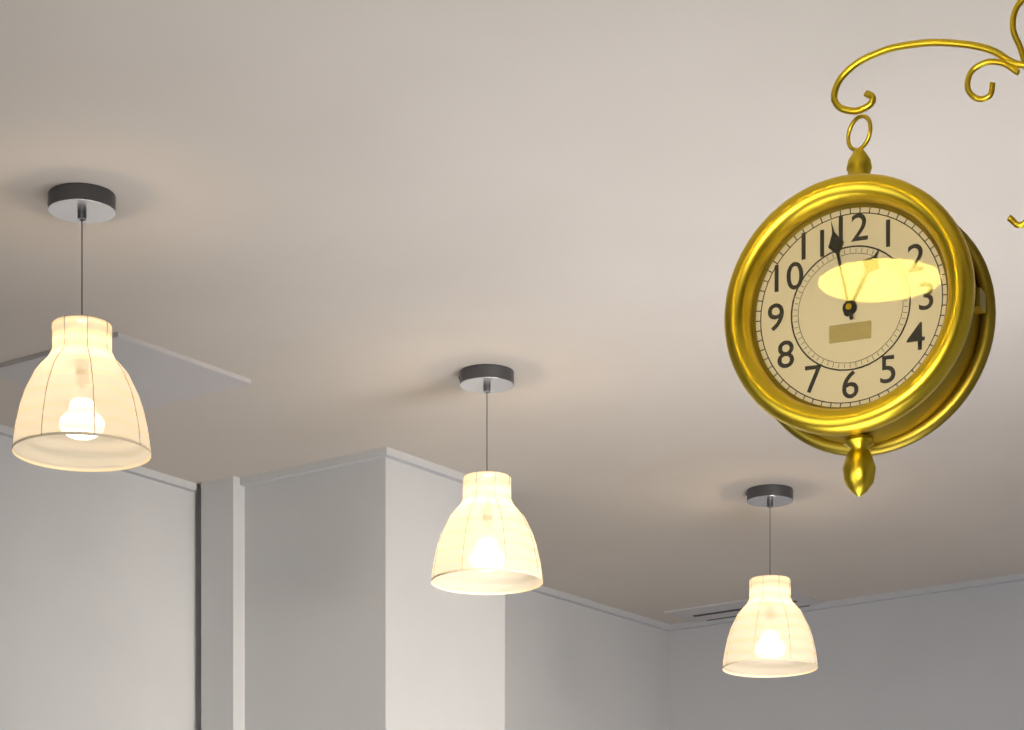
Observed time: 12:58
